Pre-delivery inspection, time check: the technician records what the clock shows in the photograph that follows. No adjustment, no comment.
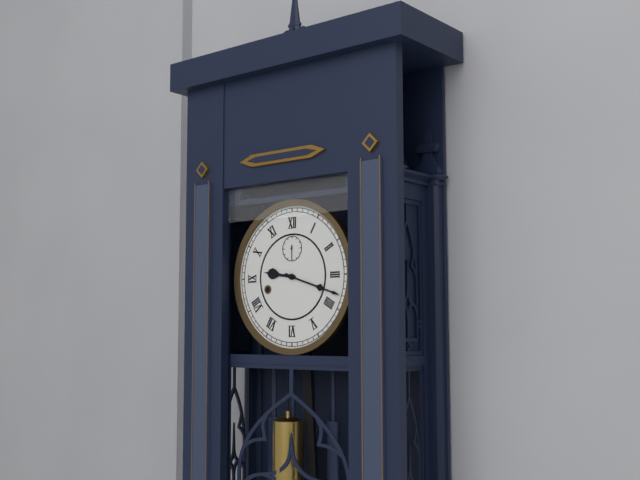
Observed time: 9:18
